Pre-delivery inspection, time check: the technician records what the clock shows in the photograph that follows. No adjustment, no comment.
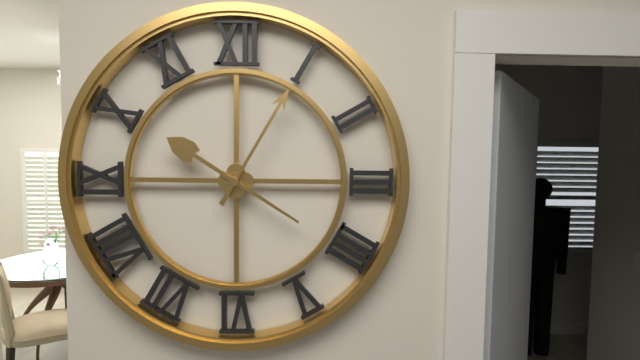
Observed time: 10:05
